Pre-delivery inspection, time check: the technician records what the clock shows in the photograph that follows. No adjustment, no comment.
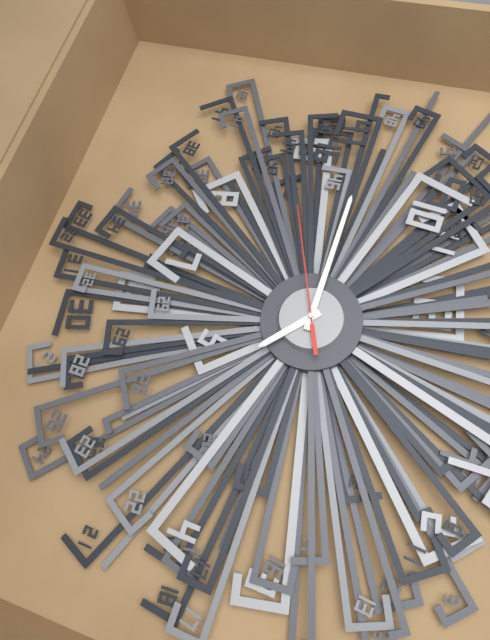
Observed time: 4:47:43
